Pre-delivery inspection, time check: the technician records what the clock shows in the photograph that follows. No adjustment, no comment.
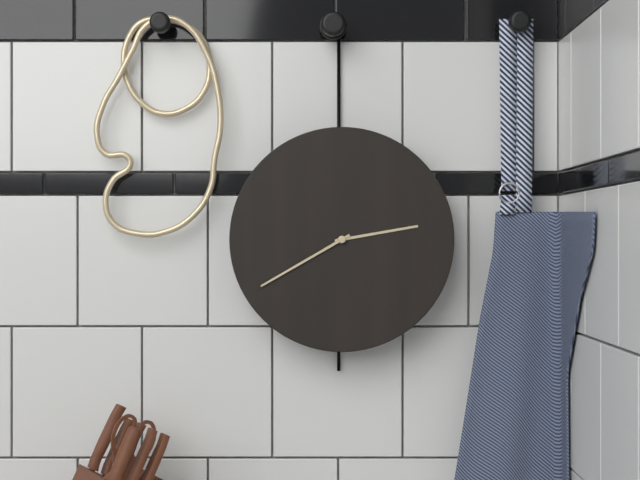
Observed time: 2:40
